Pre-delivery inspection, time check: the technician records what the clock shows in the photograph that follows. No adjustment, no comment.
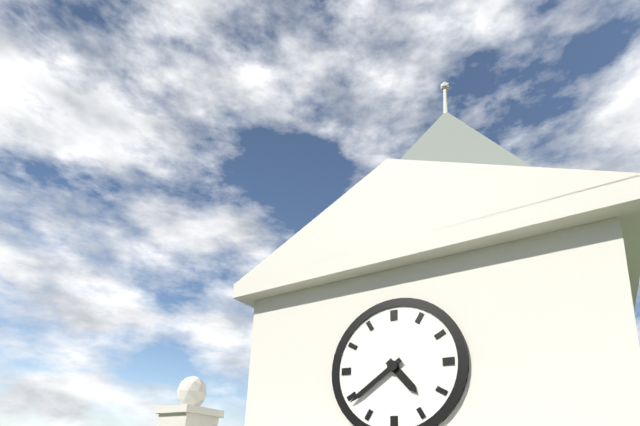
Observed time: 4:39
